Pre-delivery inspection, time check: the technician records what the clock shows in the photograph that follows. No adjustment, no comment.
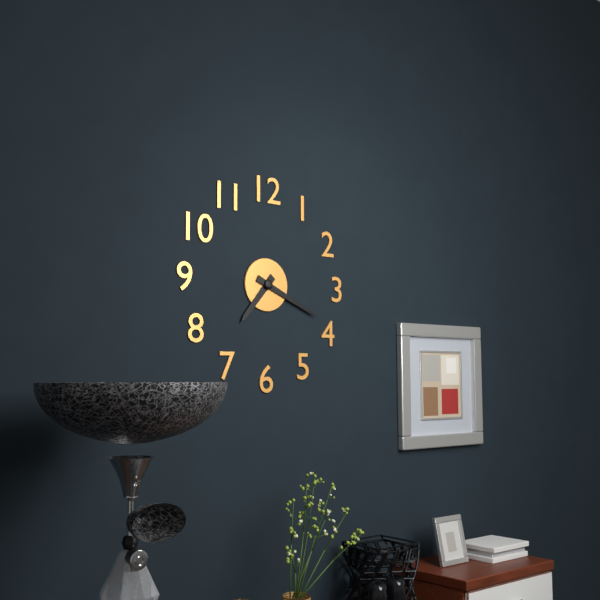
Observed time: 7:19
